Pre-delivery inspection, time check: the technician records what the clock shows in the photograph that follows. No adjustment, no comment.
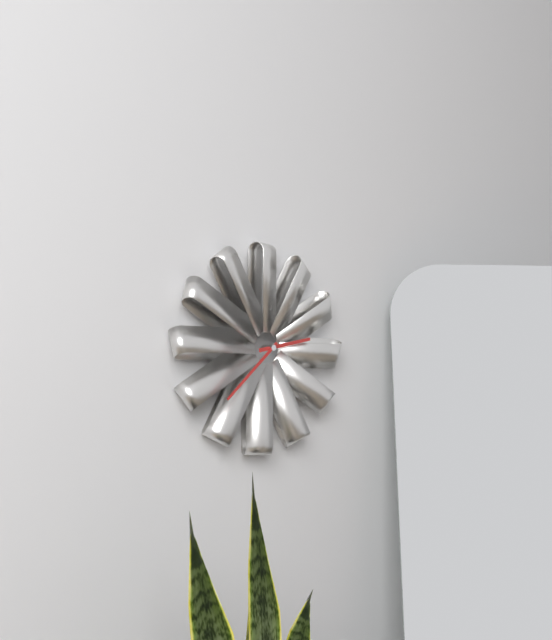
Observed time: 2:38
